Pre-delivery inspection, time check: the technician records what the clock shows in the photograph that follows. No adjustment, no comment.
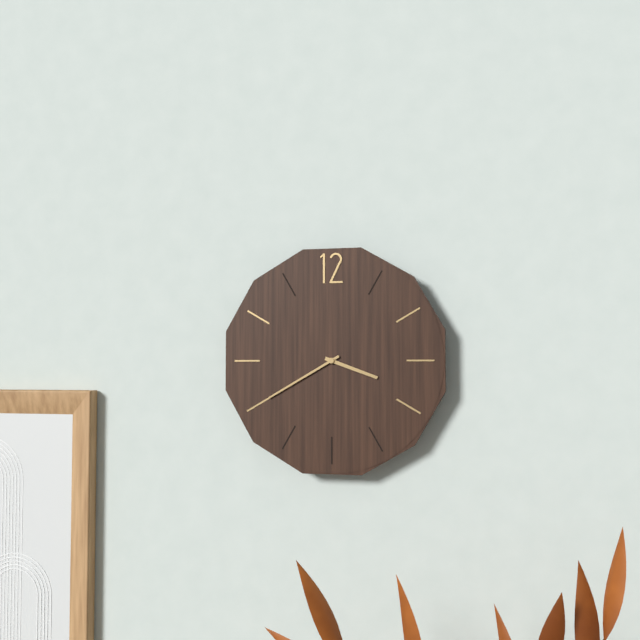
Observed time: 3:40
